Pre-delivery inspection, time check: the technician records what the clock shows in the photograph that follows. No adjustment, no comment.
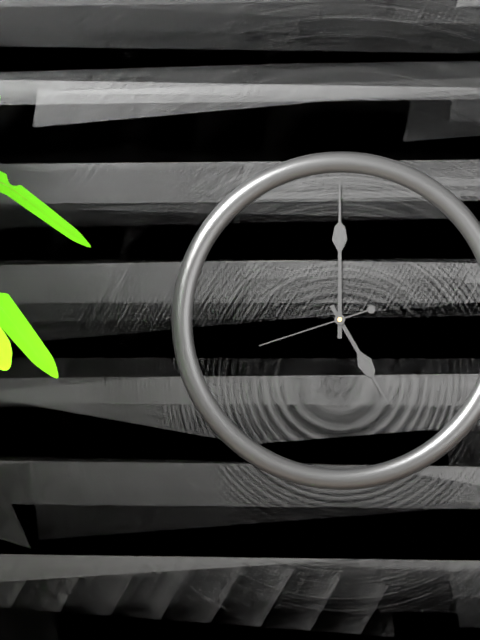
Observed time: 5:00:42
